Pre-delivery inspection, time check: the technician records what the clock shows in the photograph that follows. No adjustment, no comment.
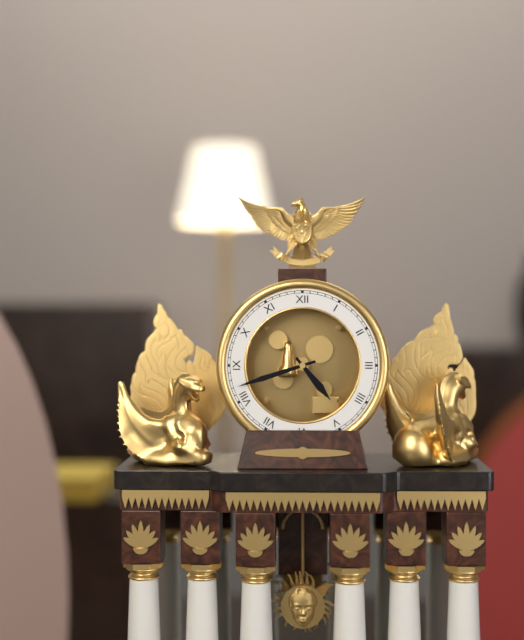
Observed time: 4:42
